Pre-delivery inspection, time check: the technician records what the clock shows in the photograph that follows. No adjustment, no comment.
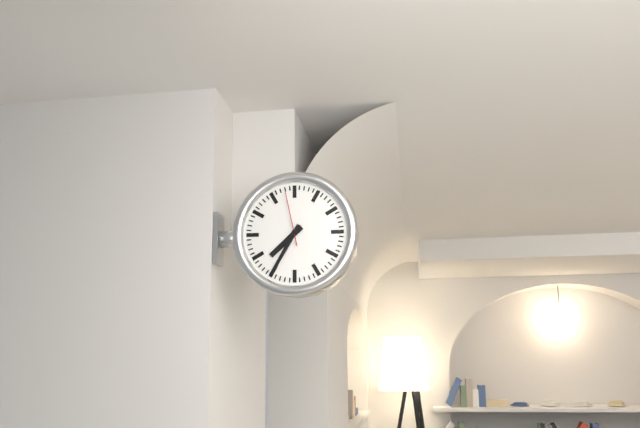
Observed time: 7:35:58
